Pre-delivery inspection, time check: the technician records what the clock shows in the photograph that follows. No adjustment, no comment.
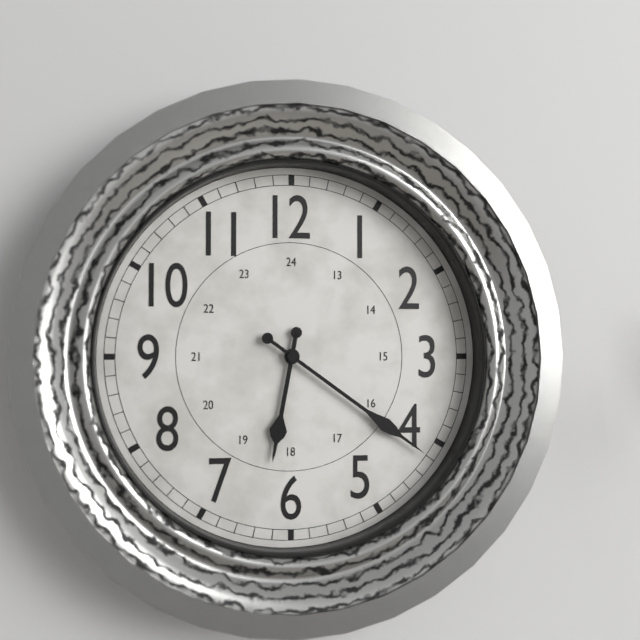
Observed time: 6:21
